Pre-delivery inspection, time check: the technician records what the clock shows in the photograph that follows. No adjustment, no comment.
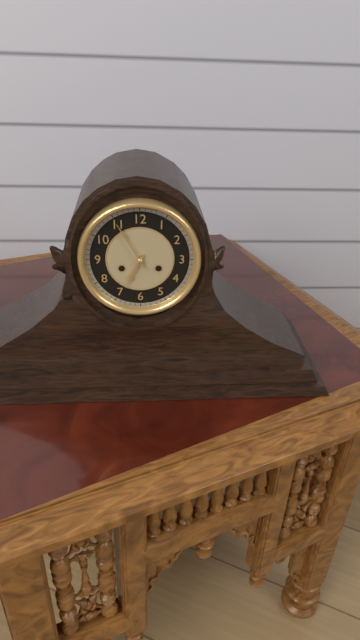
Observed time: 6:55
